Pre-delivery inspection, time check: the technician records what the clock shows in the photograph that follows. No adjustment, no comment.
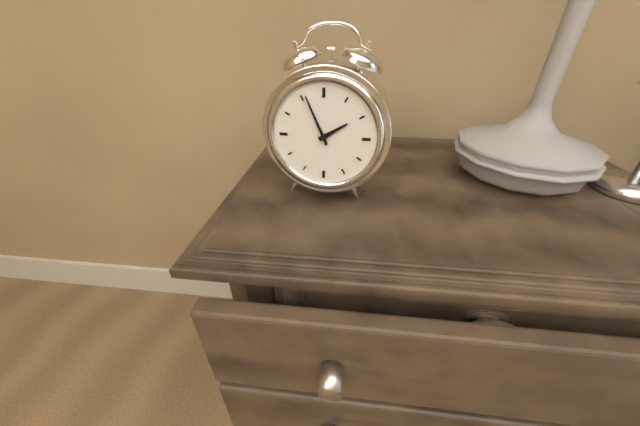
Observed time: 1:56
